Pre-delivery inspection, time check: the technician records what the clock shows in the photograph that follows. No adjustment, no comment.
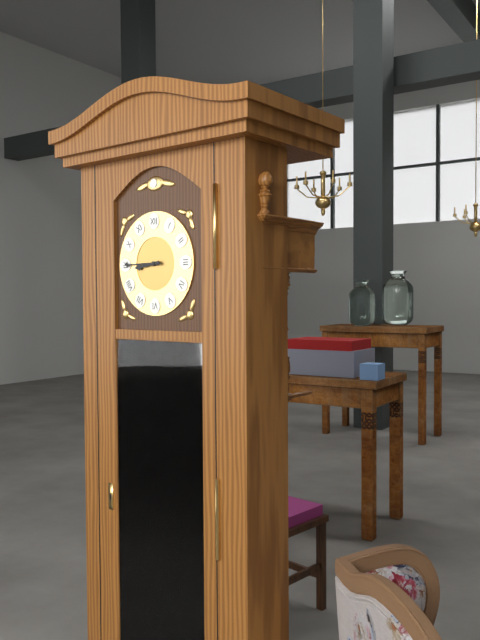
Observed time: 8:45
